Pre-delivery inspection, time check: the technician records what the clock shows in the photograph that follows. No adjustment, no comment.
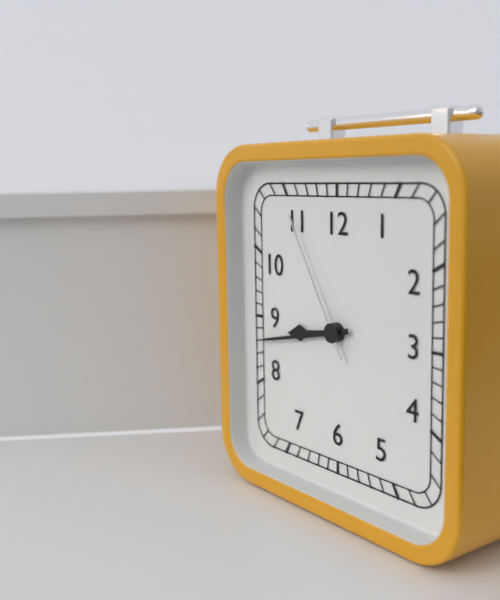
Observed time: 8:43:55
